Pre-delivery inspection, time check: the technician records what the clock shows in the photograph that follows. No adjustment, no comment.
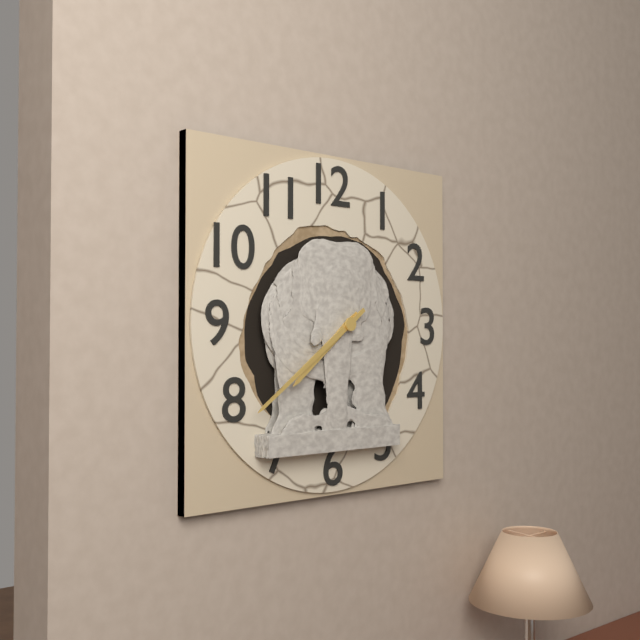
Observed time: 7:39
